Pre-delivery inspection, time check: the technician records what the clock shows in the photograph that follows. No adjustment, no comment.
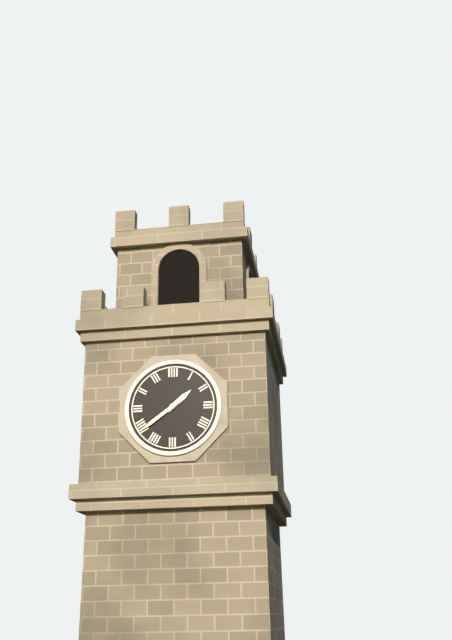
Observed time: 1:39
